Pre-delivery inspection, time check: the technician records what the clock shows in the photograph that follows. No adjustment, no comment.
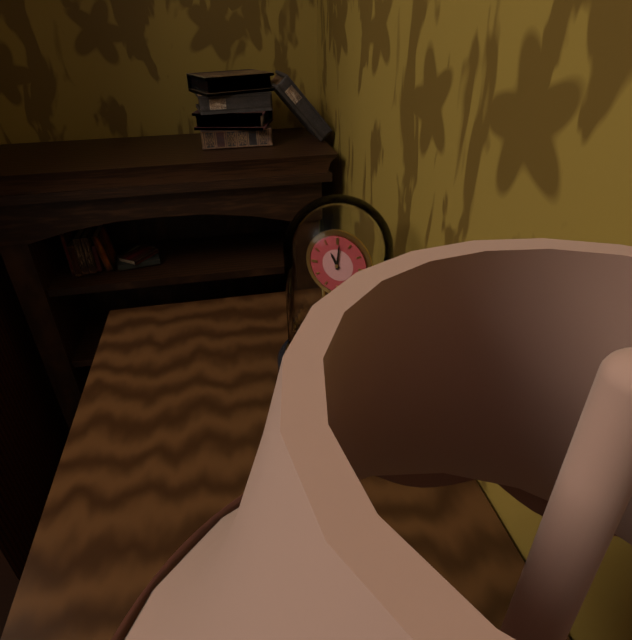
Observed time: 11:01
